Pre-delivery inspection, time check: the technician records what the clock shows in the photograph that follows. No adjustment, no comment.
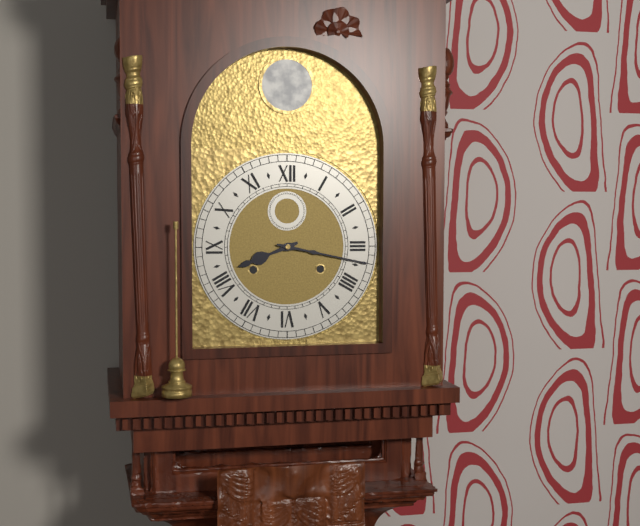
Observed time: 8:17
